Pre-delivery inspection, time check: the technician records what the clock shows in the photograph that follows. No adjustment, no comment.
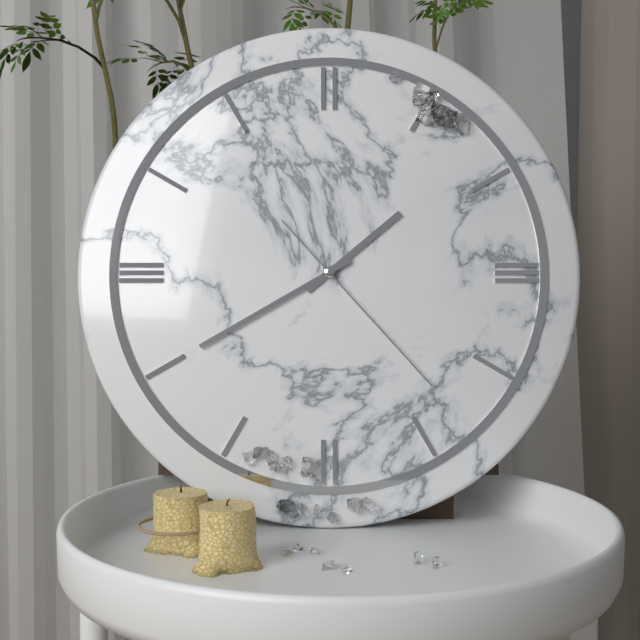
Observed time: 1:40:23
